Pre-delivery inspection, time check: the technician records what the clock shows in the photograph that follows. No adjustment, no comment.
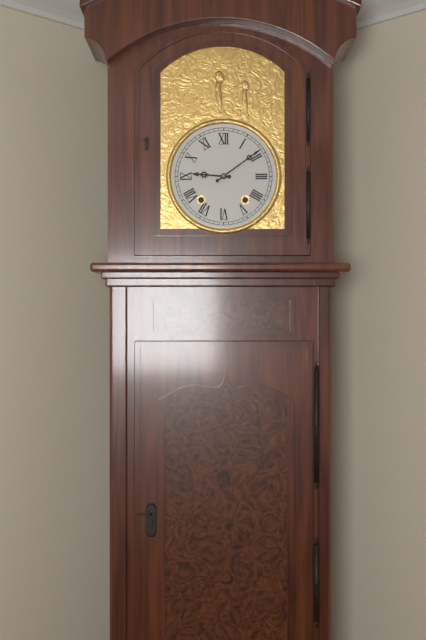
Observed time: 9:09
